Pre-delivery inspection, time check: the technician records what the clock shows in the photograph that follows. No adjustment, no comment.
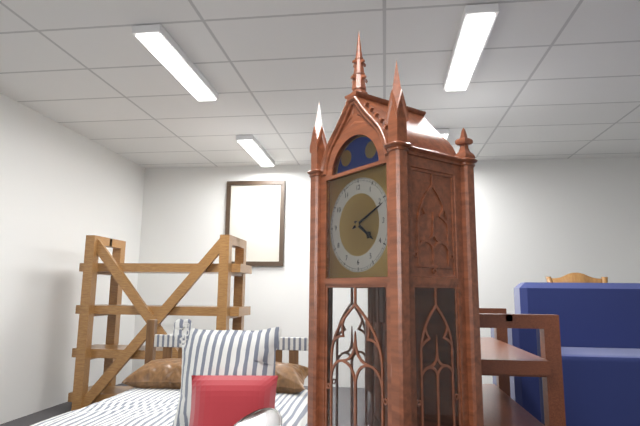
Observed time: 4:11
